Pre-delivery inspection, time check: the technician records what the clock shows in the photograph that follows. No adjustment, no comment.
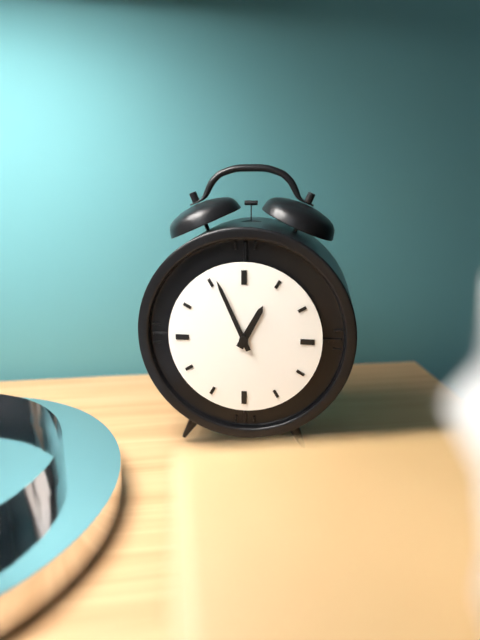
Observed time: 12:56
